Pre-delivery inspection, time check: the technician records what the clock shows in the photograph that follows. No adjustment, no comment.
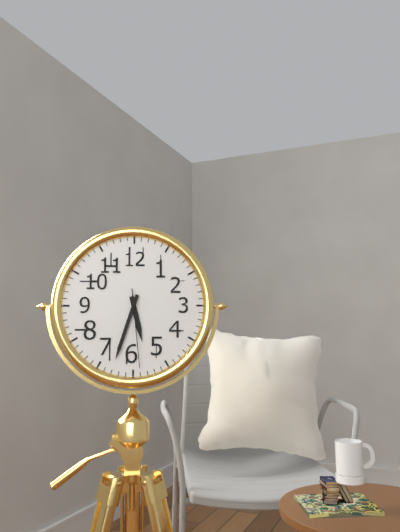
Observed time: 5:33:29
